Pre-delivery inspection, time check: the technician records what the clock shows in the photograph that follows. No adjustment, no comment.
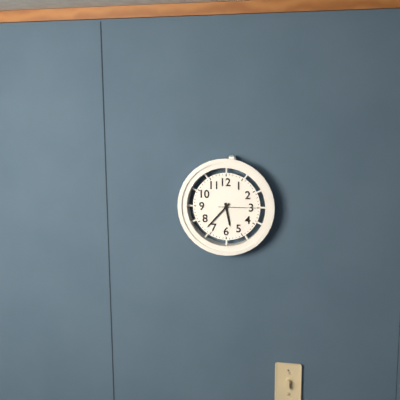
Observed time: 5:37
